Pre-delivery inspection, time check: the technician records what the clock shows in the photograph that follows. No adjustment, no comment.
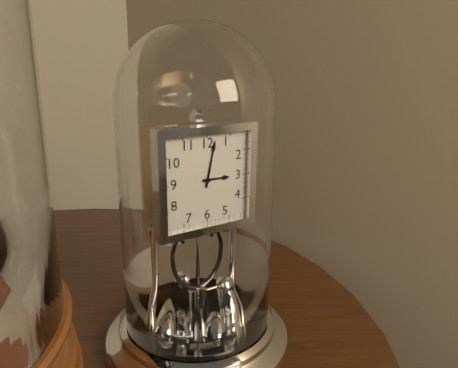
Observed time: 3:02
